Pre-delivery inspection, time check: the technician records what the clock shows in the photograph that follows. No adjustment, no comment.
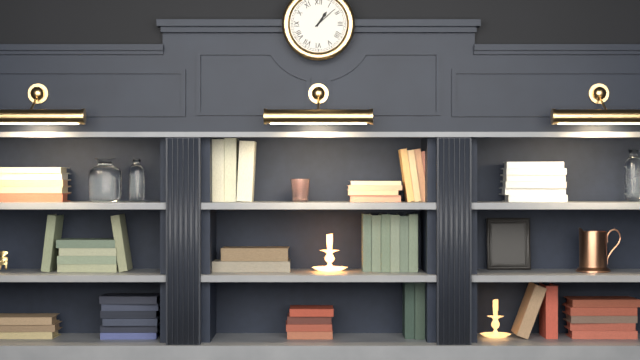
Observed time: 1:08
